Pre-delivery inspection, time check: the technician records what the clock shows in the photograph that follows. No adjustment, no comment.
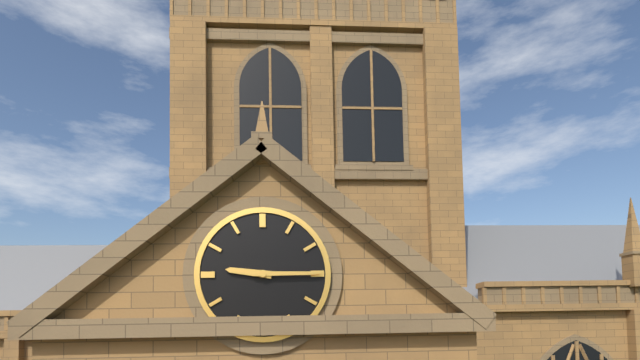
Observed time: 9:15
